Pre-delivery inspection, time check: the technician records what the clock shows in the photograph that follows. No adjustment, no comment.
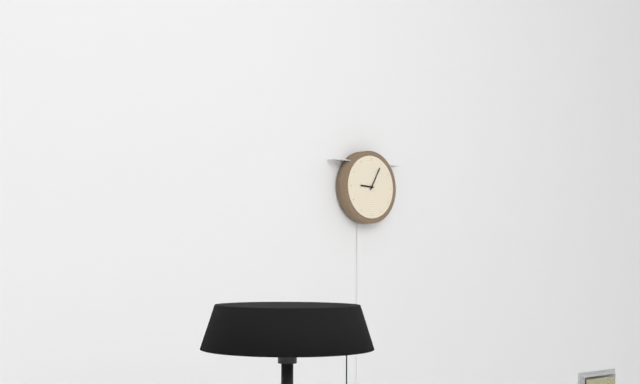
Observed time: 9:05
